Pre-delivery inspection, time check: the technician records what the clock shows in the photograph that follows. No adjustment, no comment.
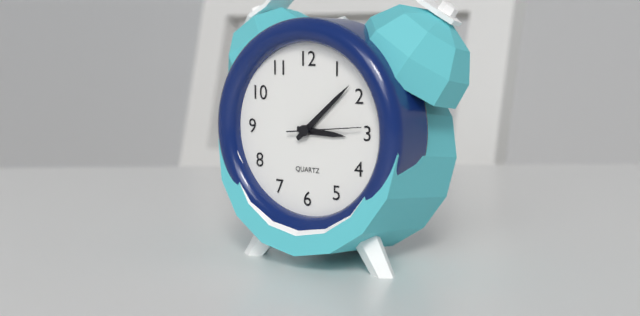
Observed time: 3:08:14
